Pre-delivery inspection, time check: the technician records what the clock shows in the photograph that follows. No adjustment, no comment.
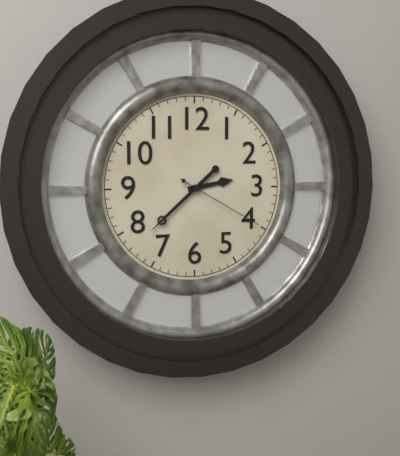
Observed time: 2:38:20
